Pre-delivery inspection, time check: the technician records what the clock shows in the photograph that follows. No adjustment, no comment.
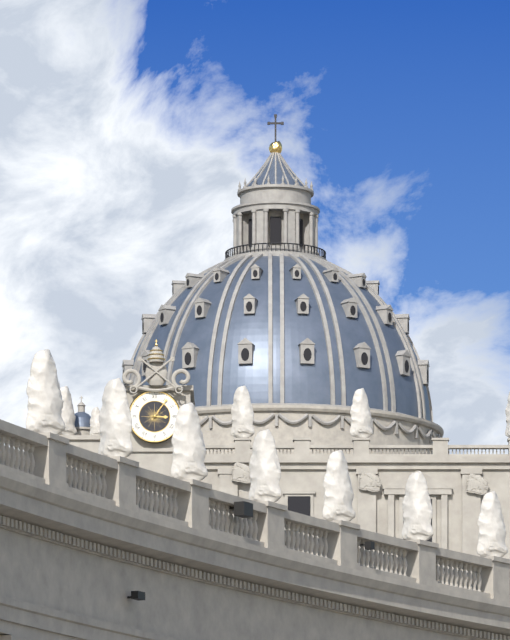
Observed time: 3:06
